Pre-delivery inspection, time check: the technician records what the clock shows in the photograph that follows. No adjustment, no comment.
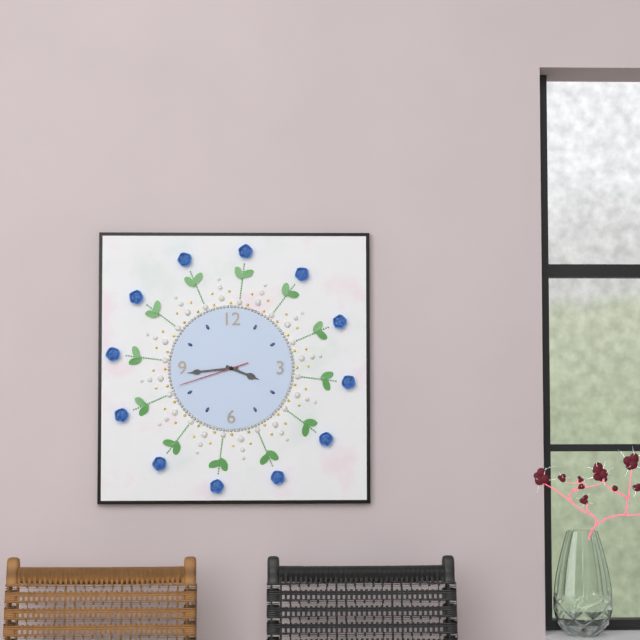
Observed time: 3:44:42
